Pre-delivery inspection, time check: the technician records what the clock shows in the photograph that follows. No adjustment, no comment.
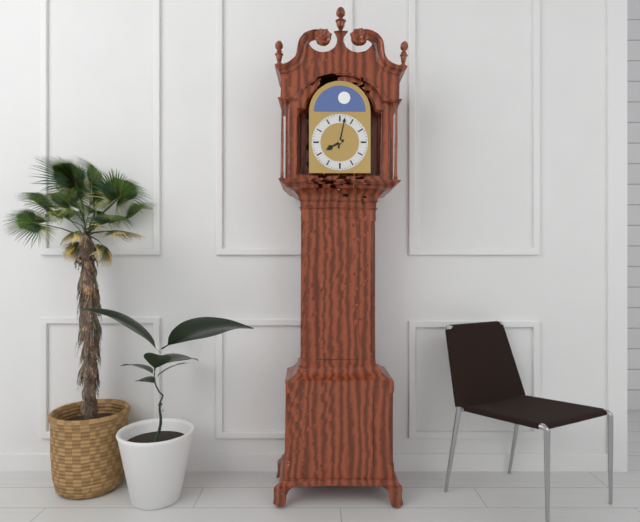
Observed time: 8:02
